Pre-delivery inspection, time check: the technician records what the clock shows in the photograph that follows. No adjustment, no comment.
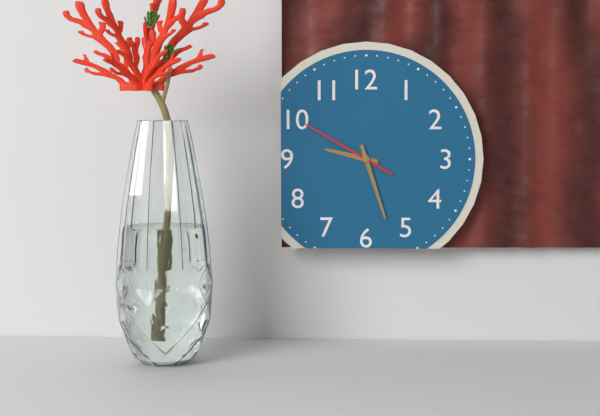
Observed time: 9:27:50
